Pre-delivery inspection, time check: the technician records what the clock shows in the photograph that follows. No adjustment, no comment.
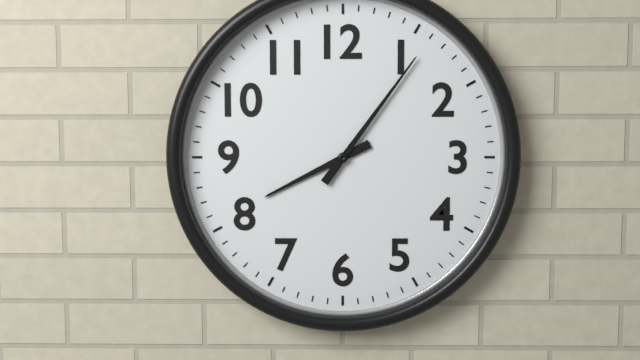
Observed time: 8:06
